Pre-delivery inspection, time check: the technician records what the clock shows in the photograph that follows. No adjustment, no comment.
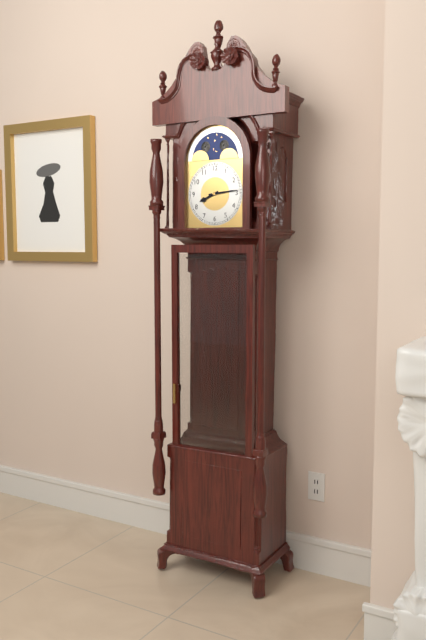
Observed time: 8:14
